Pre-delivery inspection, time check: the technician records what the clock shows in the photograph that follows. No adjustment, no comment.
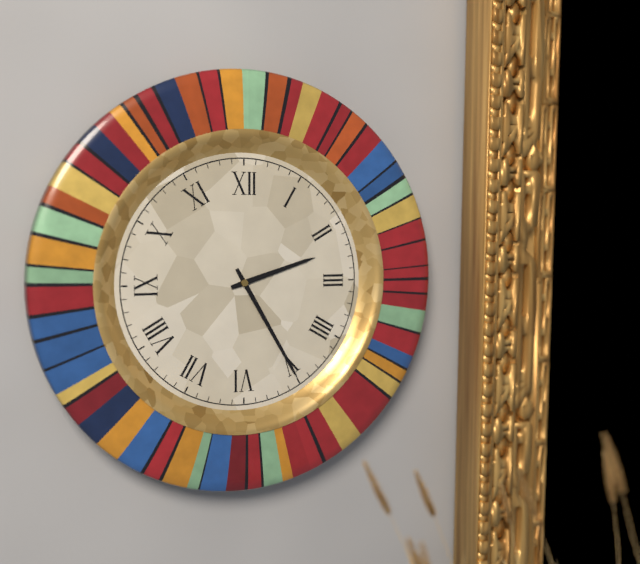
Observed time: 2:25
